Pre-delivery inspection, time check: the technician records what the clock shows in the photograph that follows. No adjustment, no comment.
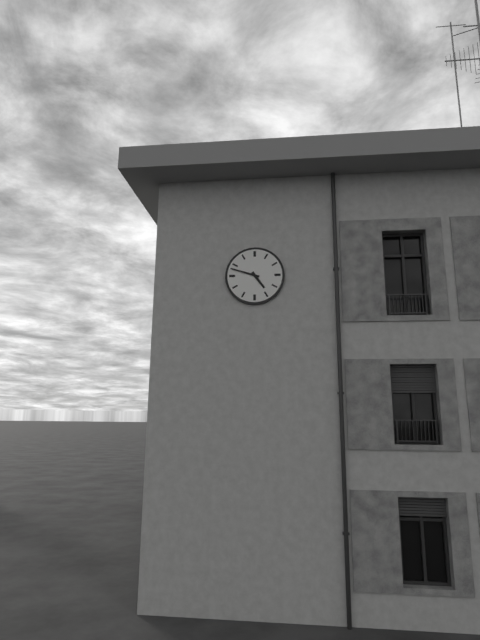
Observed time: 4:48
